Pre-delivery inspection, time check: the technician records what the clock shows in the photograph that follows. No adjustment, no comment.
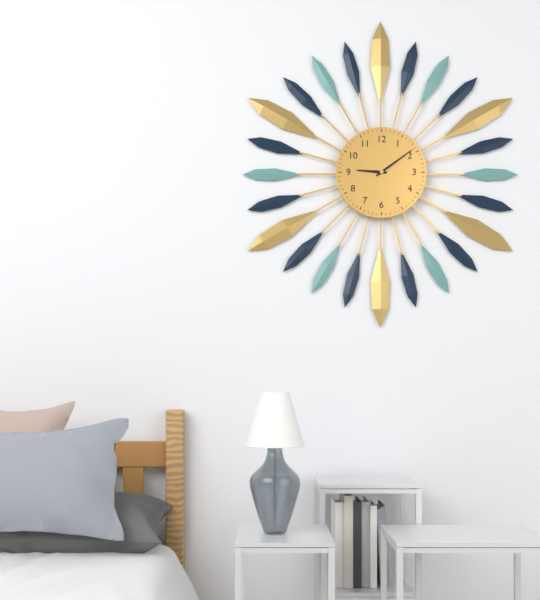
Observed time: 9:09
